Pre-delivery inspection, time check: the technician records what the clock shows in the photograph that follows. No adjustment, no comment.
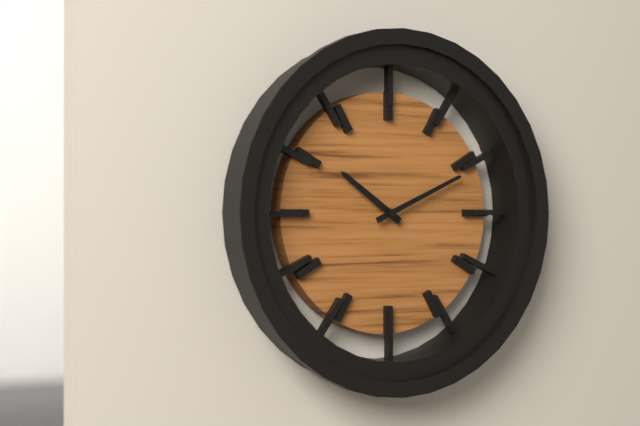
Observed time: 10:11
